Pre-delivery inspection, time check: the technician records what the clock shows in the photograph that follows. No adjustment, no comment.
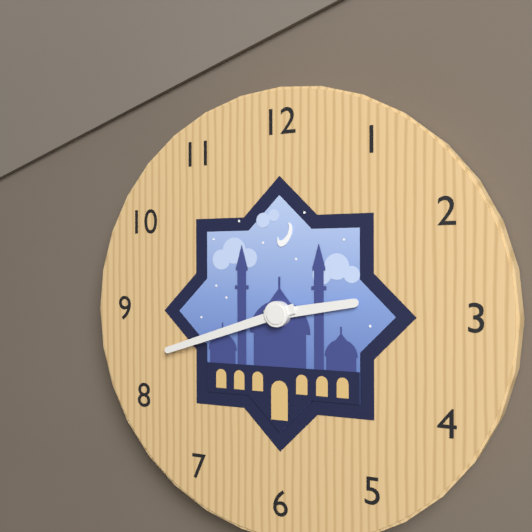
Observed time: 2:42
